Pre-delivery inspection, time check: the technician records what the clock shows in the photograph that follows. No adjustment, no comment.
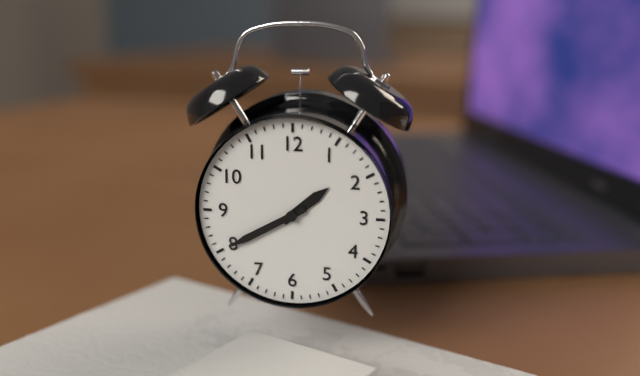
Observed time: 1:40
